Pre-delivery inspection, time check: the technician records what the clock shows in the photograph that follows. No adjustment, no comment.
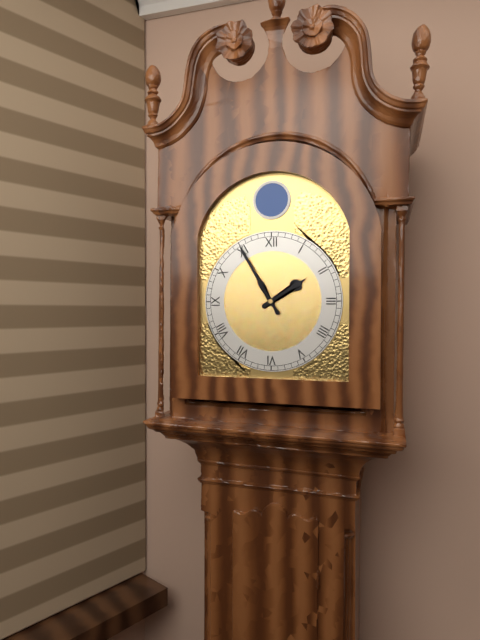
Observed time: 1:55
